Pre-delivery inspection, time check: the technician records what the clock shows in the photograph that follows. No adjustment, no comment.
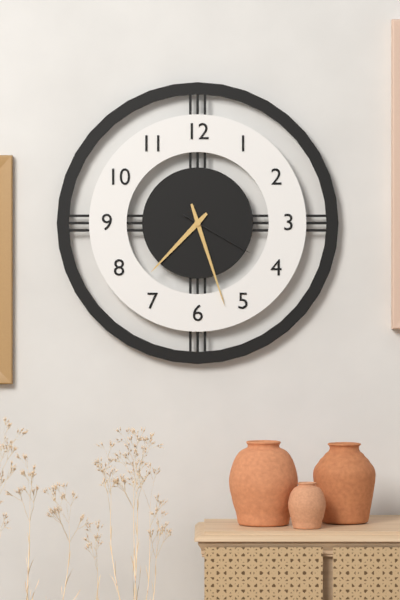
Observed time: 7:27:20
